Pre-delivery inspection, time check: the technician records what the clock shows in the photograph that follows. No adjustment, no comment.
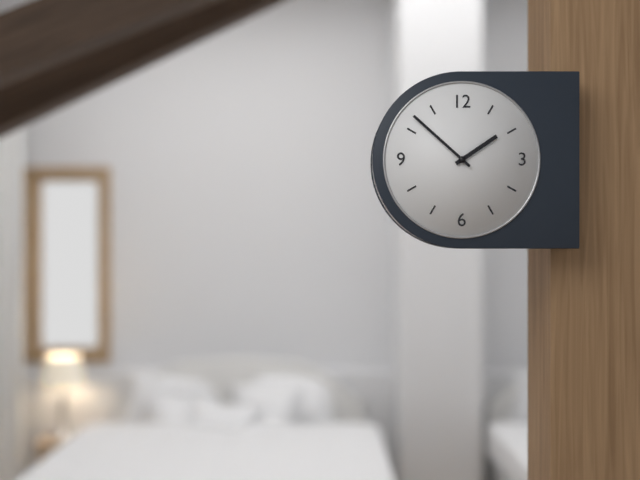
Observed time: 1:52
